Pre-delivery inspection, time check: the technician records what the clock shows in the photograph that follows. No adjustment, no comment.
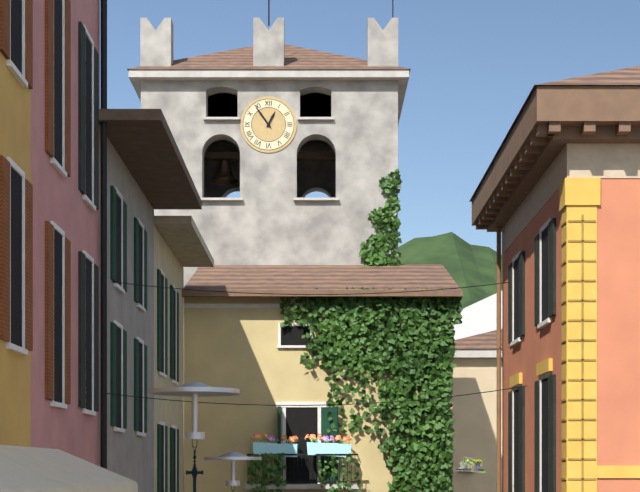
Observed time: 12:54
